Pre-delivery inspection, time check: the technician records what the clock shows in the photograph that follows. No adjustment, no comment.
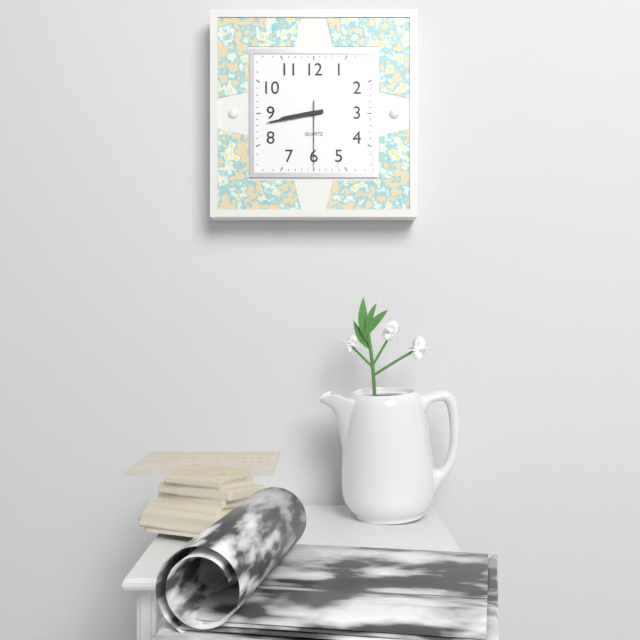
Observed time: 8:43:30
